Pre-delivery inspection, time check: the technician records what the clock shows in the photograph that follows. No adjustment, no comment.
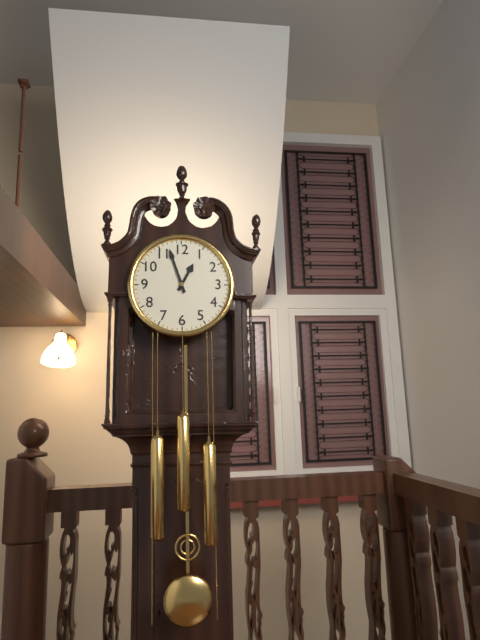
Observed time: 12:57
